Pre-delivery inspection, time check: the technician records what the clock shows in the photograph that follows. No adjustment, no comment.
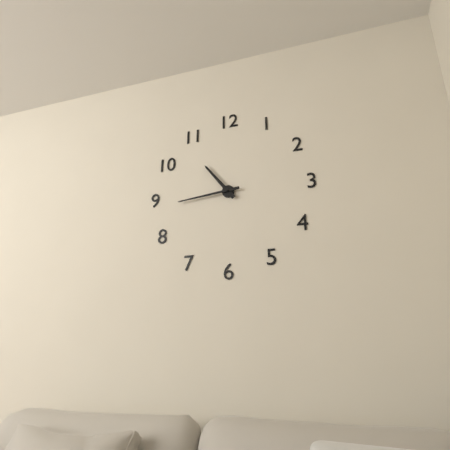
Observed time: 10:44
